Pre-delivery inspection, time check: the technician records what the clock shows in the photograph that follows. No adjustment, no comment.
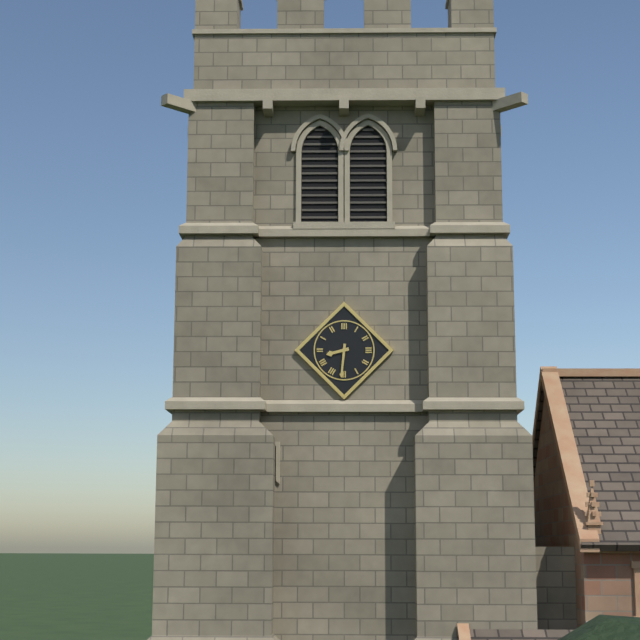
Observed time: 8:31
